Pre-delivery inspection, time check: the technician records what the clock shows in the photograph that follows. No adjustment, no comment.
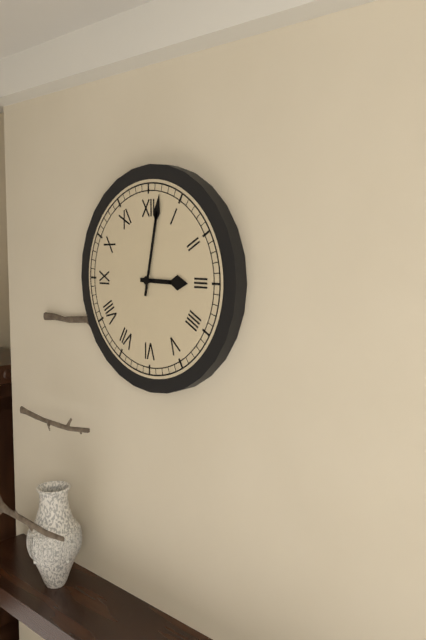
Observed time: 3:02
